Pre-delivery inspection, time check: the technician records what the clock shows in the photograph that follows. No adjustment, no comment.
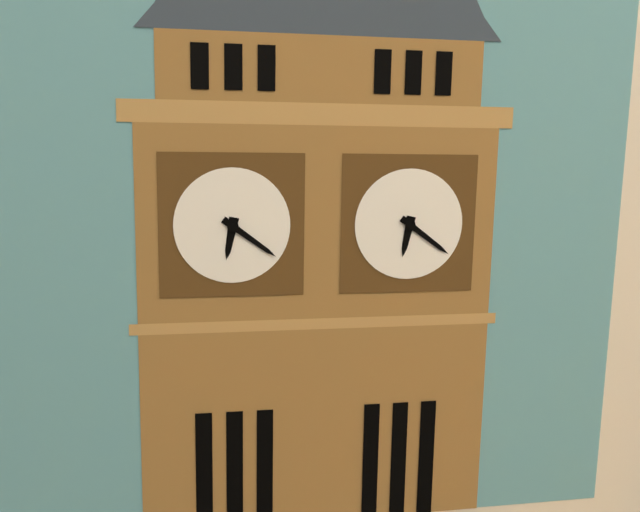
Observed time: 6:21
